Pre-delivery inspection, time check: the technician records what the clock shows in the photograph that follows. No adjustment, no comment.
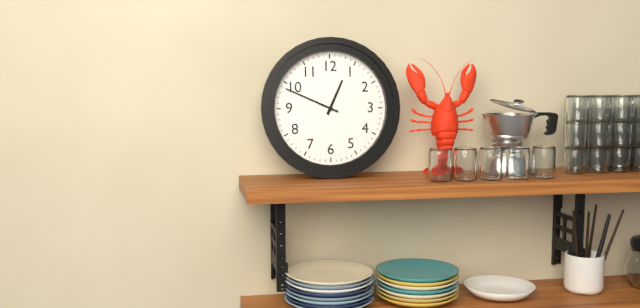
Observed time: 12:49
